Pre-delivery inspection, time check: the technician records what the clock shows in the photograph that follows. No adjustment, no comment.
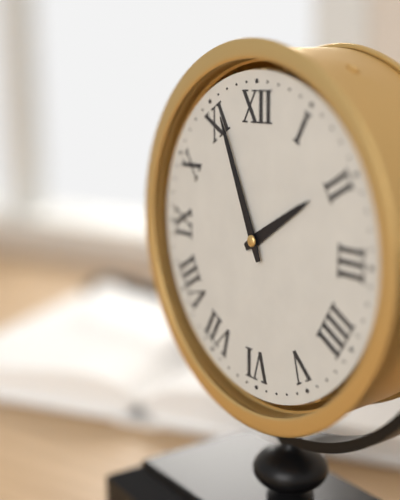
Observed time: 1:56
